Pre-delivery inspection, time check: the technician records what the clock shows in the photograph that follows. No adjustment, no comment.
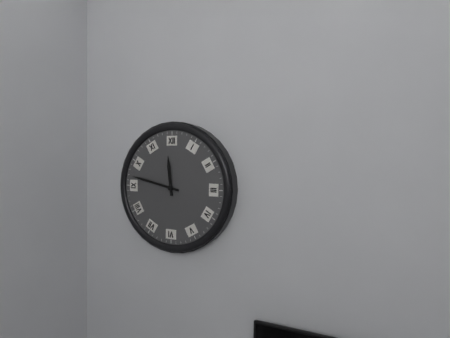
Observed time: 11:47
